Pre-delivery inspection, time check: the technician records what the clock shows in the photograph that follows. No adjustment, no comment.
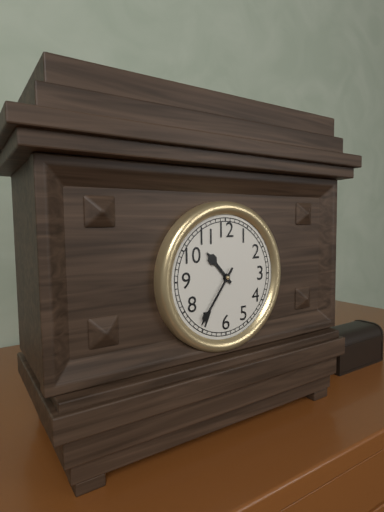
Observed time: 10:36
